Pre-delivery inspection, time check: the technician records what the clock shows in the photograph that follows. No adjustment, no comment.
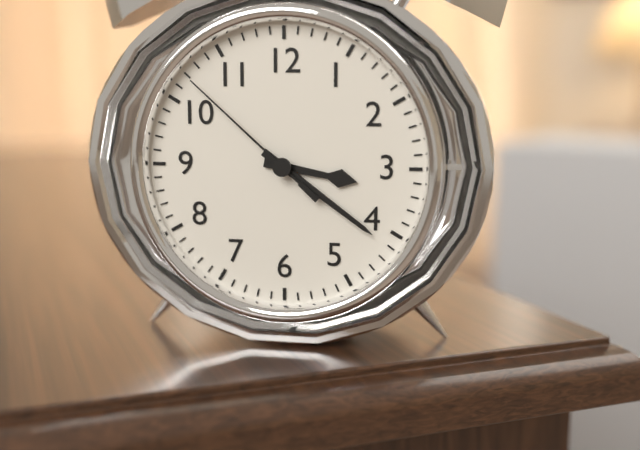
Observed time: 3:21:52
